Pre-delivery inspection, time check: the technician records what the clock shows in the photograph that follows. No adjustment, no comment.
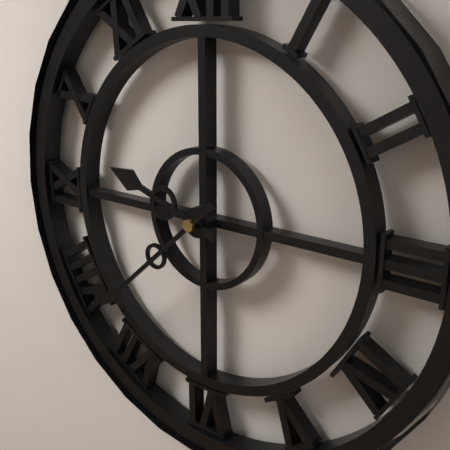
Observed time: 9:38
